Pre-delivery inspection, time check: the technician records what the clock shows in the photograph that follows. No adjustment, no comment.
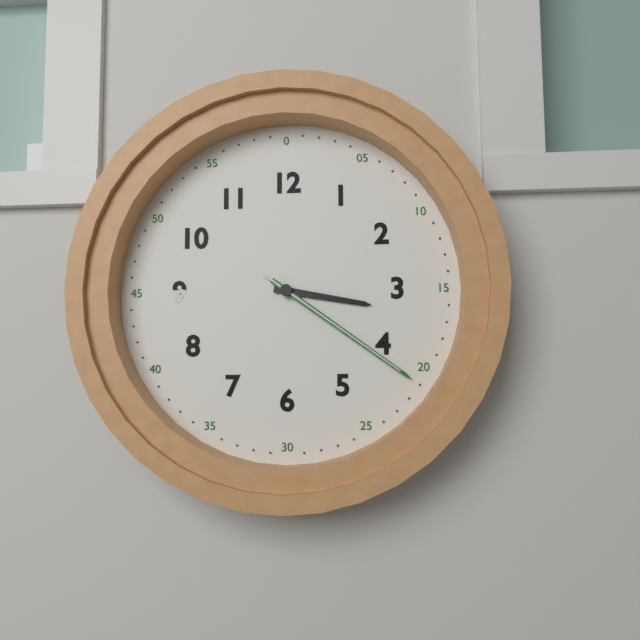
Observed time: 3:21:21
